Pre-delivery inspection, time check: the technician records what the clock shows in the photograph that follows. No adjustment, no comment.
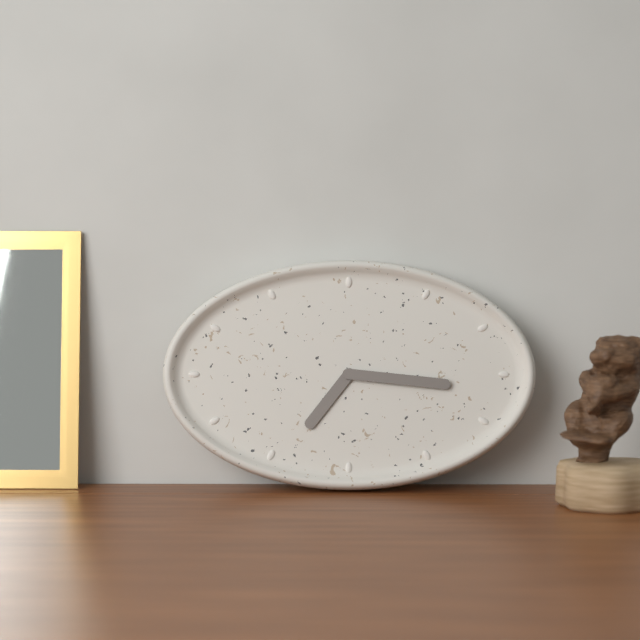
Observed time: 7:16
